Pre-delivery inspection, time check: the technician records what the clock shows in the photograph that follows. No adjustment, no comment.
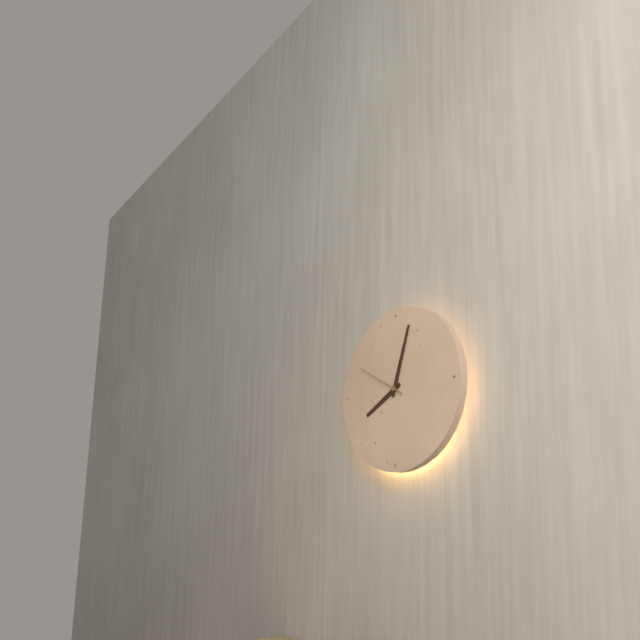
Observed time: 8:03
